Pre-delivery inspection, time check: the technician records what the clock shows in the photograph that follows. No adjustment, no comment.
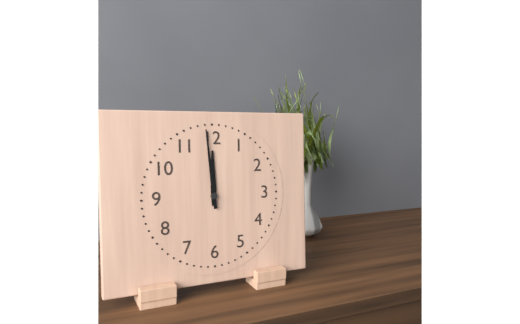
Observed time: 11:59
